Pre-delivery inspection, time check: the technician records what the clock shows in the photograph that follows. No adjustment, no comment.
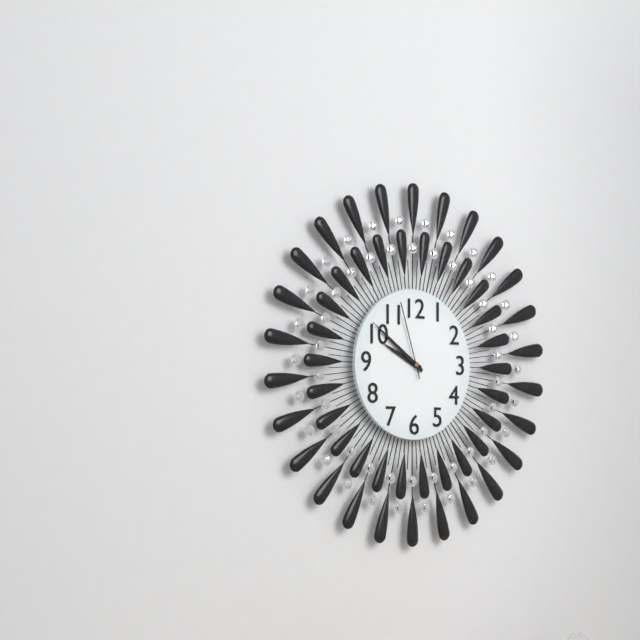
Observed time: 9:51:57
